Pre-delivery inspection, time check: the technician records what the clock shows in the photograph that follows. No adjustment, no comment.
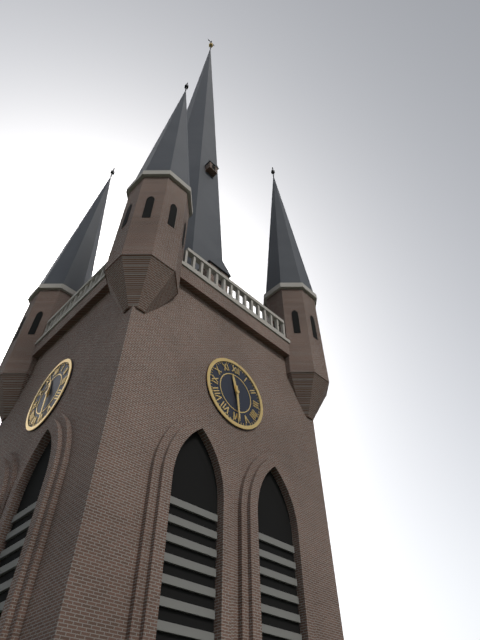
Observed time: 11:29
